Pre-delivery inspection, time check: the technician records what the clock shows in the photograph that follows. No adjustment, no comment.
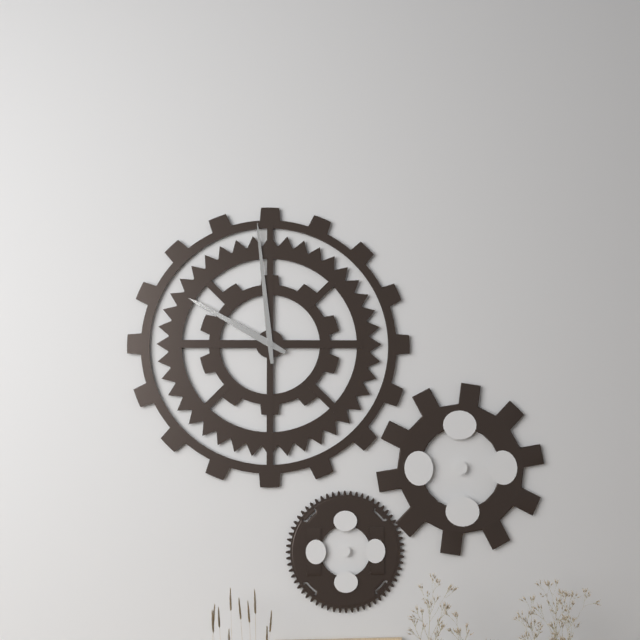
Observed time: 9:59
